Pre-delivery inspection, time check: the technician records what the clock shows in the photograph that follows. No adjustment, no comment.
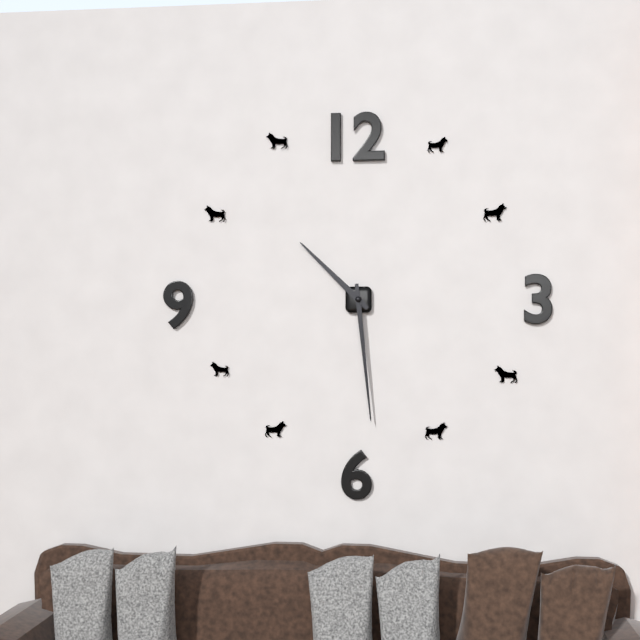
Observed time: 10:29
